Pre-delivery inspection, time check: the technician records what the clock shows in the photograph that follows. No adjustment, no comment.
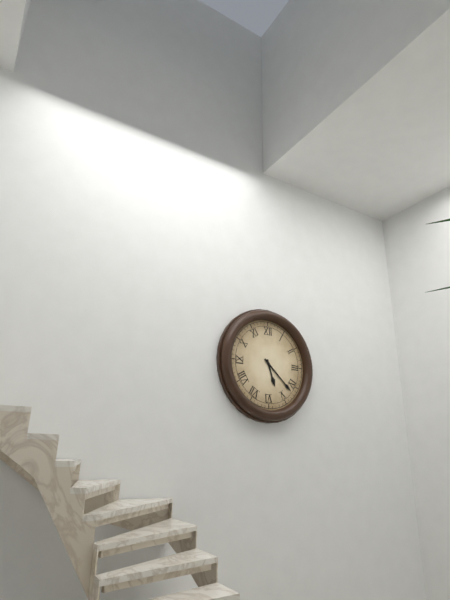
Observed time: 5:22
